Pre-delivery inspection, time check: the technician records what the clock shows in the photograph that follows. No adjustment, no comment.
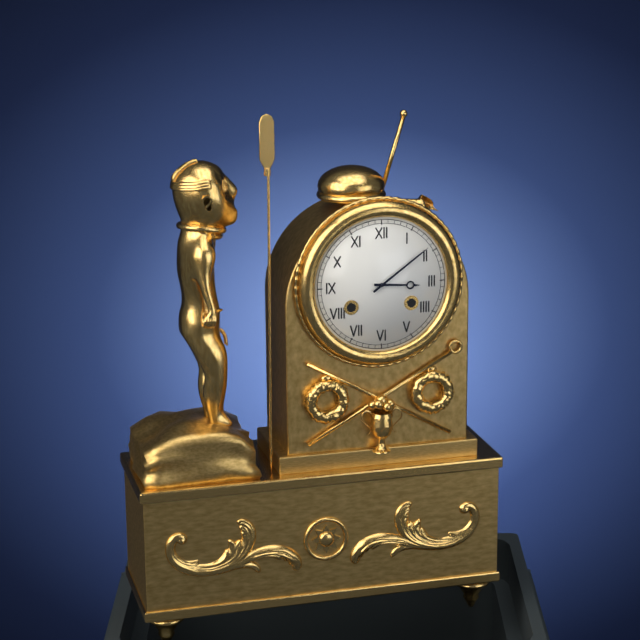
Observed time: 3:09
